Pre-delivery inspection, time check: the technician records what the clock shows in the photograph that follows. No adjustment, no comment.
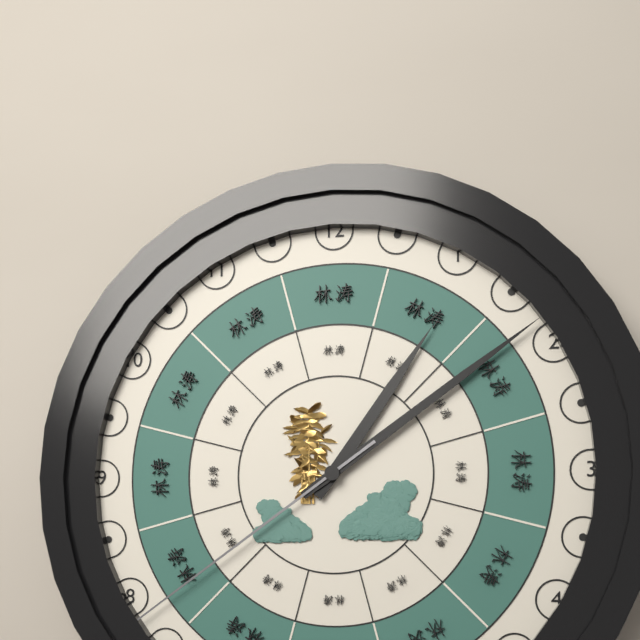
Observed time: 1:09:39
